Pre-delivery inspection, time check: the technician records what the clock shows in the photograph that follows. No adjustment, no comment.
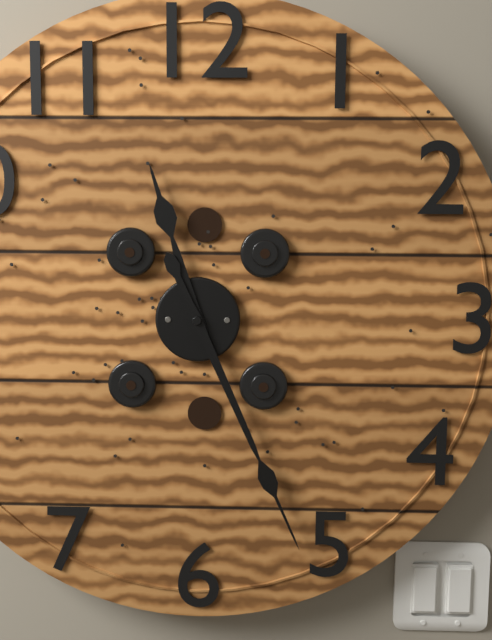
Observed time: 11:26
